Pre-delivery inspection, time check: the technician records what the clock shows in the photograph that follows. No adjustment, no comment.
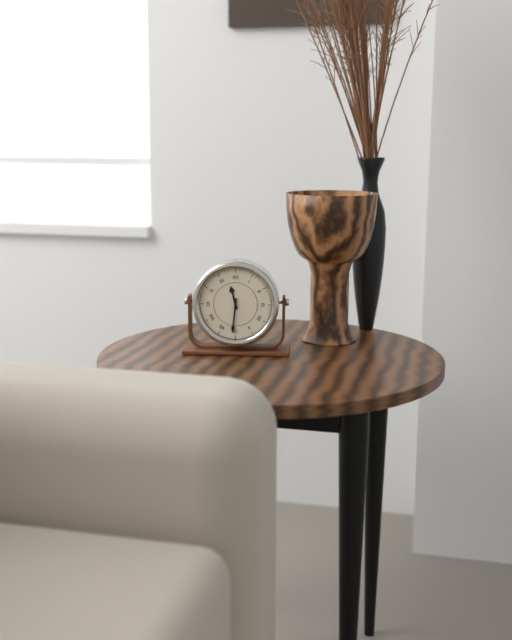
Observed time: 11:31
